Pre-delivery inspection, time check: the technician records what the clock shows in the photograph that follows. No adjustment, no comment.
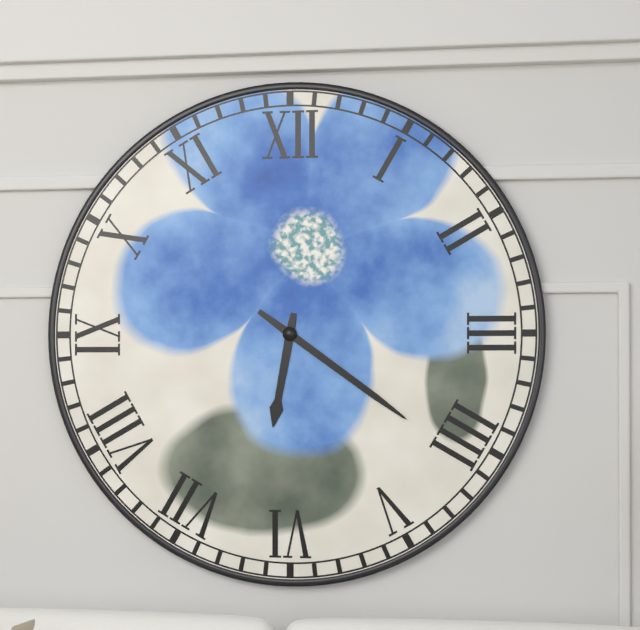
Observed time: 6:21
